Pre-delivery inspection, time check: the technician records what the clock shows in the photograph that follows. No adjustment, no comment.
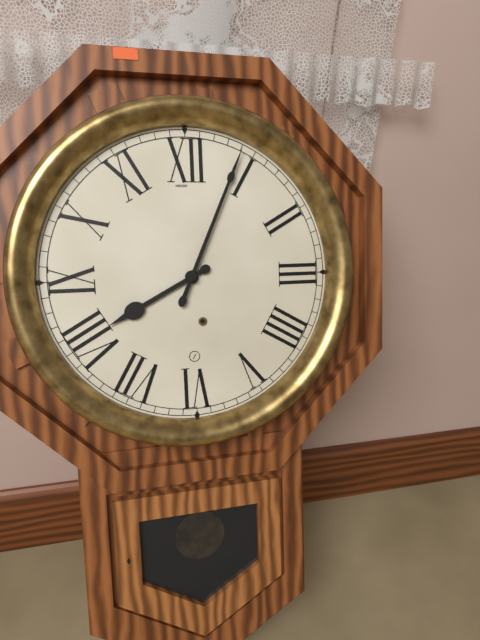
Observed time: 8:04
